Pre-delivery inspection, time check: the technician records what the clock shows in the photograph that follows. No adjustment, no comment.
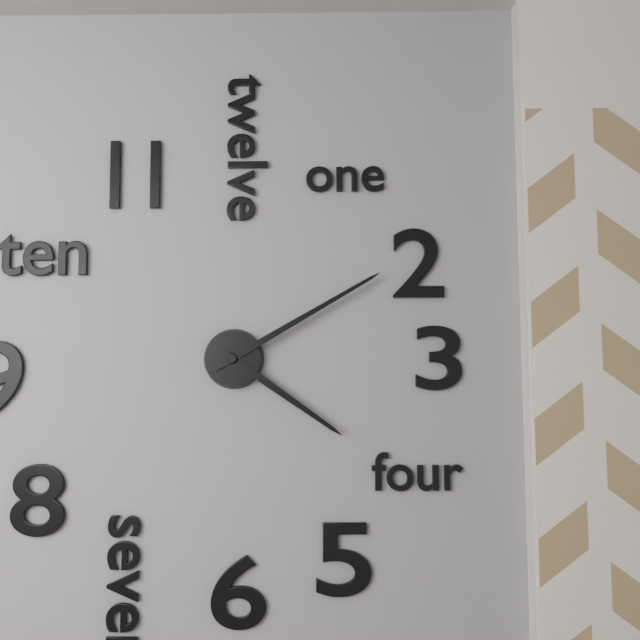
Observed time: 4:10
